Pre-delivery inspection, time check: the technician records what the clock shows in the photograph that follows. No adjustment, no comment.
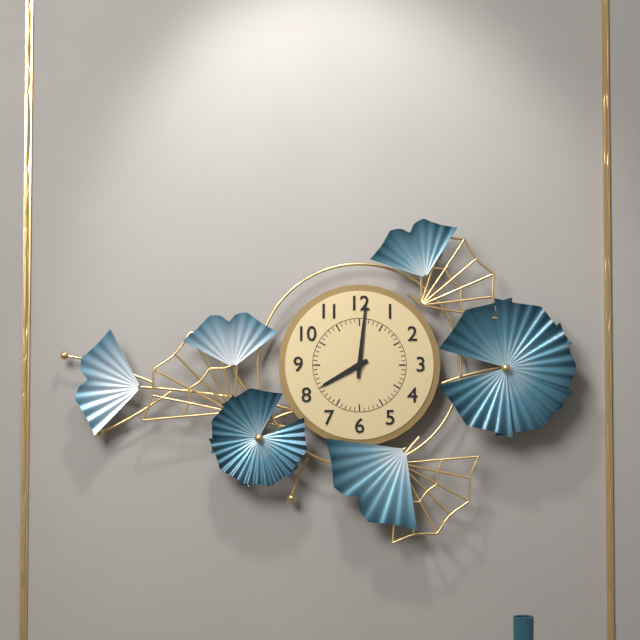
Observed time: 8:01
